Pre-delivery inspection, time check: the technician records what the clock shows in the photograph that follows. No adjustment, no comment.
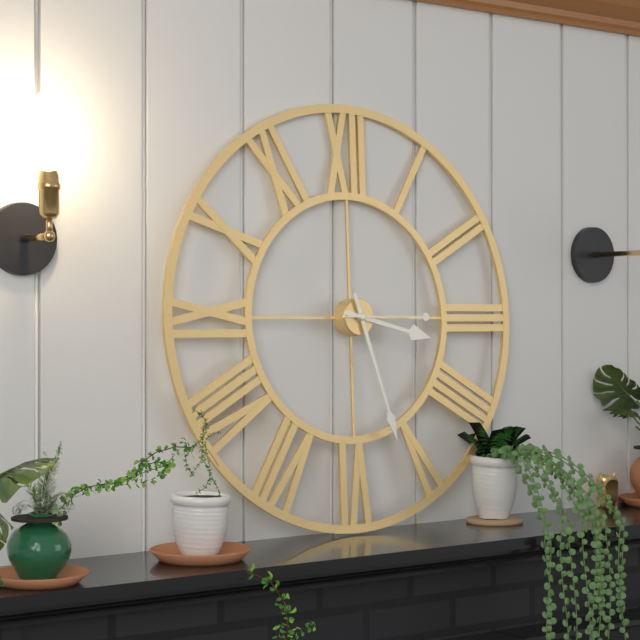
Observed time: 3:27:15
